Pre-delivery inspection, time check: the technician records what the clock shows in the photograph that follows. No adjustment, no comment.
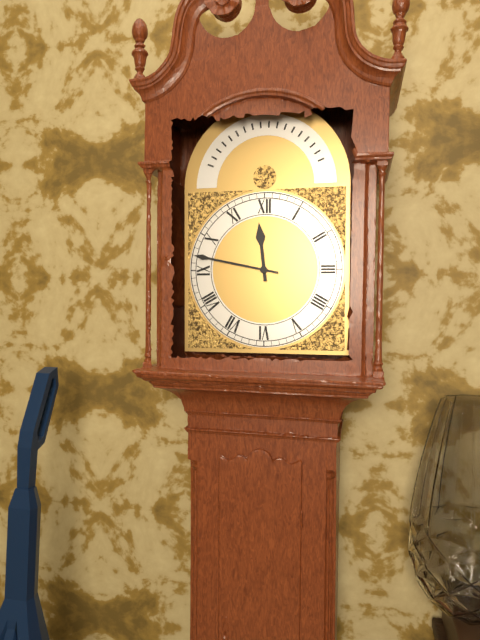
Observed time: 11:47
